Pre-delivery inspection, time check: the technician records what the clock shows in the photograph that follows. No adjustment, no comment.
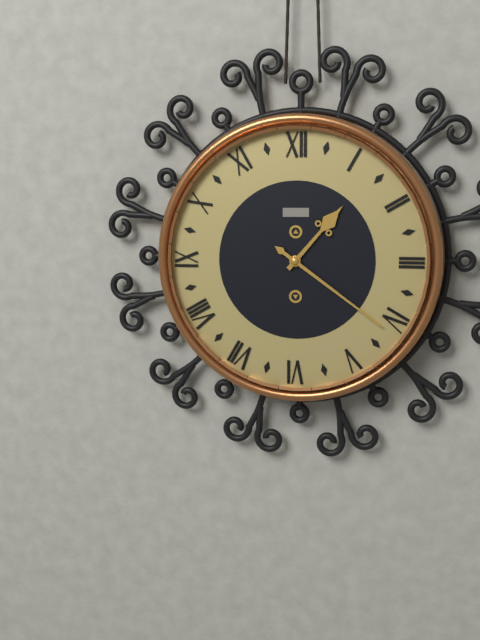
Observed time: 1:21
